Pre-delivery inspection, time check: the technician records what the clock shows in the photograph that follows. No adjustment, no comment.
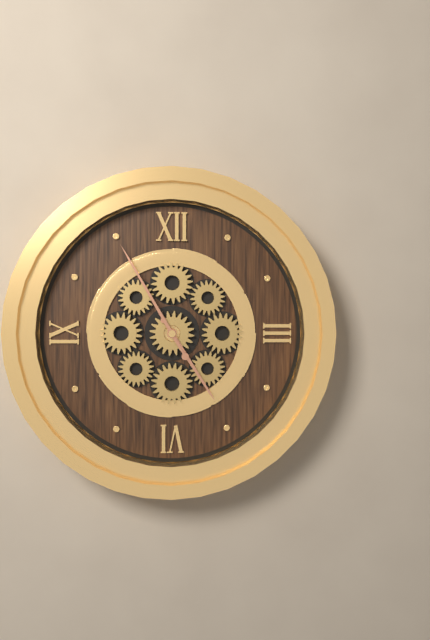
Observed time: 4:55
